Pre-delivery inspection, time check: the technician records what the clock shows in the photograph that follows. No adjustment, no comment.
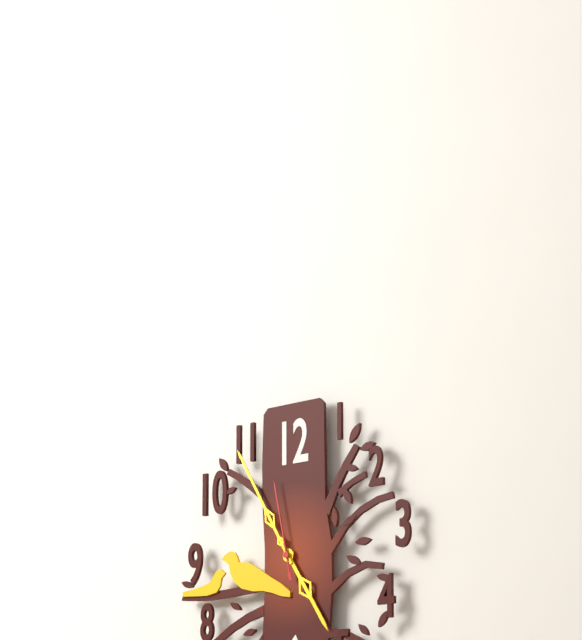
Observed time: 4:55:58
